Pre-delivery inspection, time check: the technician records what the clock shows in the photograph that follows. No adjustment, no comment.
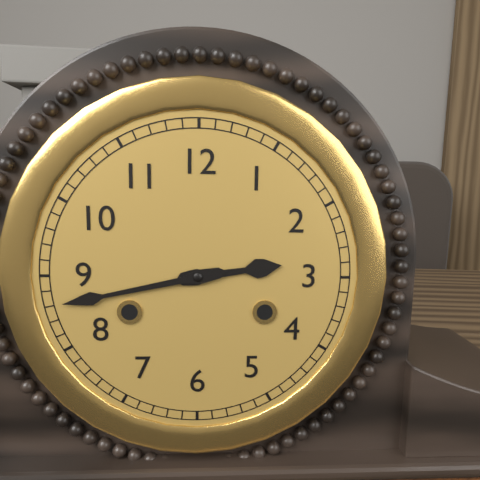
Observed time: 2:43
